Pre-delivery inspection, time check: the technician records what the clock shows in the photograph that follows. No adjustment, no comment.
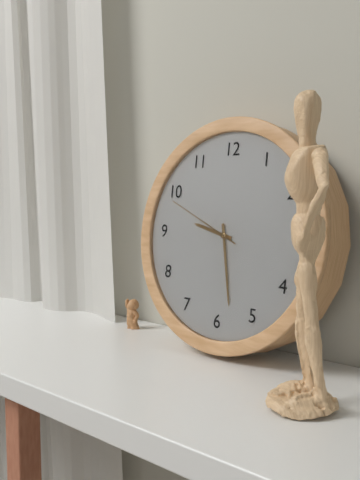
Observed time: 9:28:49
